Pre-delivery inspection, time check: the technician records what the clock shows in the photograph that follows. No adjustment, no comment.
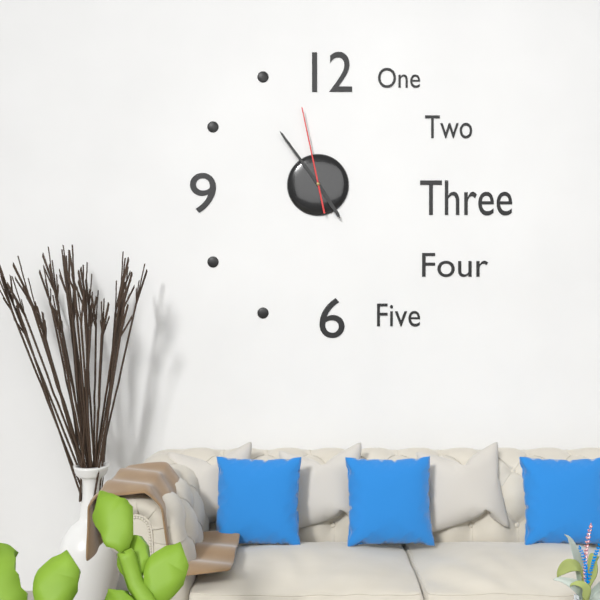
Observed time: 4:54:58
